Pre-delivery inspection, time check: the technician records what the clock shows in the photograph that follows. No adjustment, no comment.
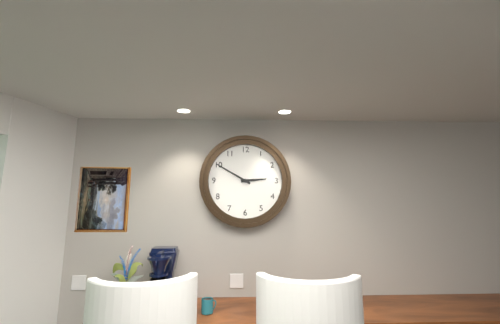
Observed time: 2:50
